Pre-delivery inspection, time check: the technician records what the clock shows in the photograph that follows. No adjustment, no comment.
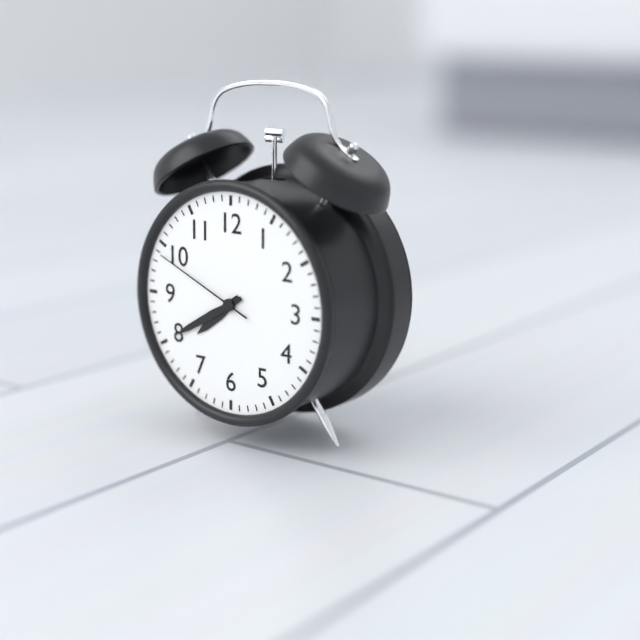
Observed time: 7:40:49
